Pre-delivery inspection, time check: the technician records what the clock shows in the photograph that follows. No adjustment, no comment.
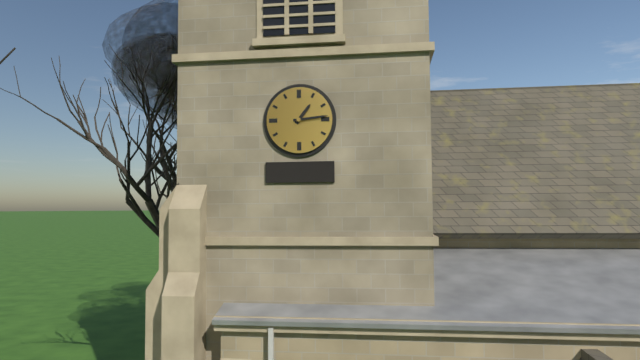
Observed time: 1:14
